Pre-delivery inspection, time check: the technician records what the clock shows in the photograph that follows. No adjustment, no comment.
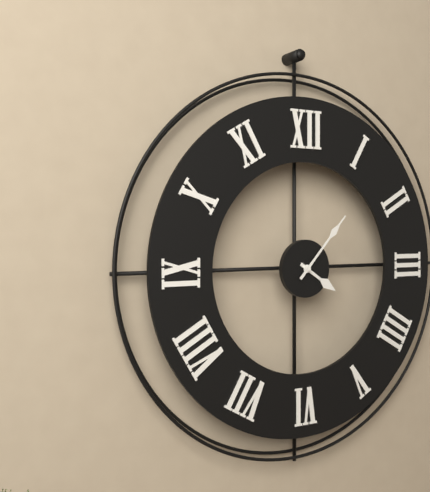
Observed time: 4:07
